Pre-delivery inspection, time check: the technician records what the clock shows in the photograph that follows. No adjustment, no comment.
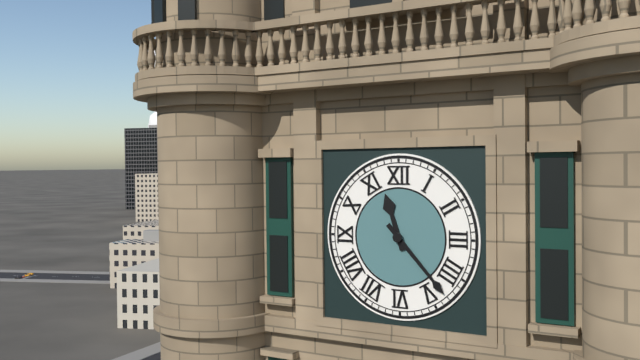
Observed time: 11:23
